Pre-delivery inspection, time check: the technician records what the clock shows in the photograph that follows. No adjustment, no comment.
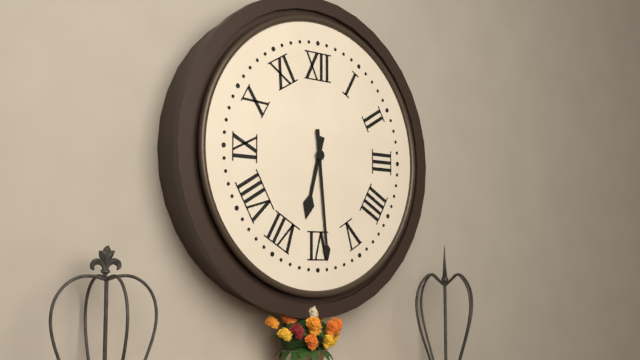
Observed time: 6:29
